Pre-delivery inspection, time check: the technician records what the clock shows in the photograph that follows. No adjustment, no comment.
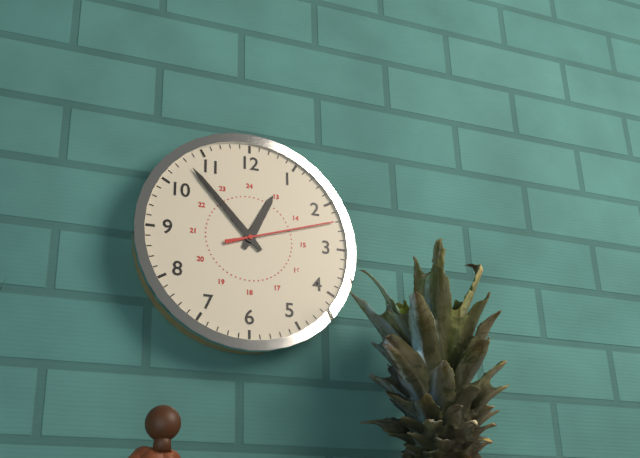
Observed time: 12:53:12
